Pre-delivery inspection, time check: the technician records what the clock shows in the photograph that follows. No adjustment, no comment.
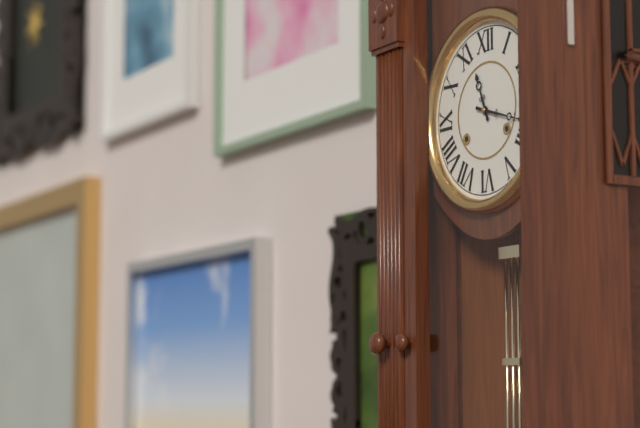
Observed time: 11:18
